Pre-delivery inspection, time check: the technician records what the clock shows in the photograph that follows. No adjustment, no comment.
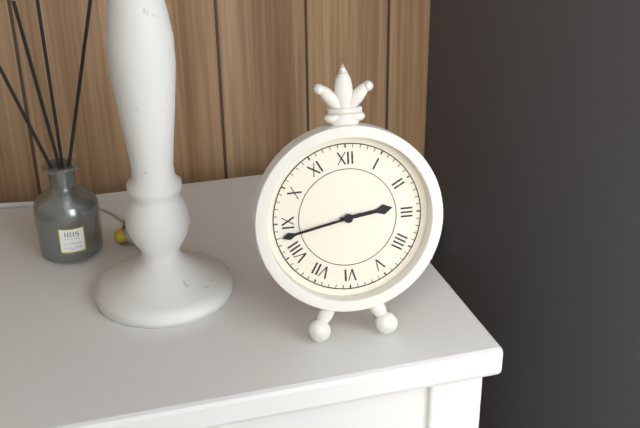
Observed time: 2:43
